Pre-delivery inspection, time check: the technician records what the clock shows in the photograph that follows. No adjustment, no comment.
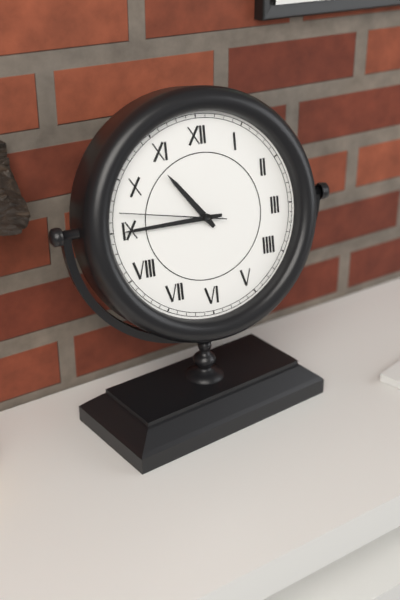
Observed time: 10:45:47
